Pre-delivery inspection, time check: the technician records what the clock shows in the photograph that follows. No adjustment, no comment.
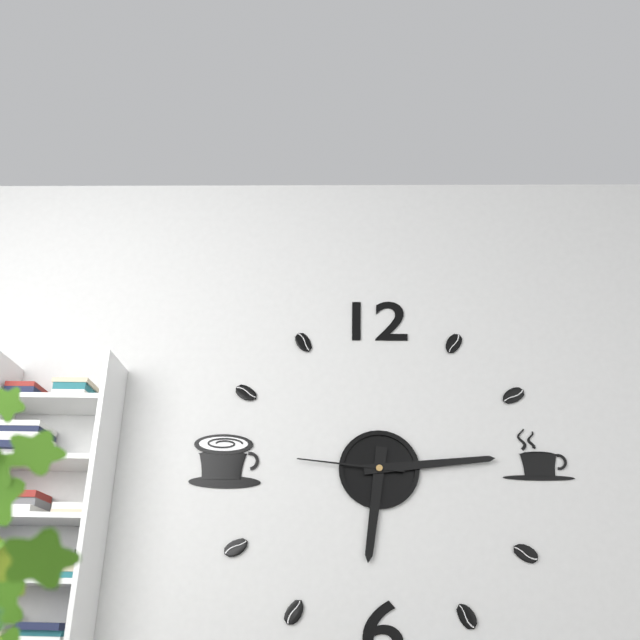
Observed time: 6:14:46
